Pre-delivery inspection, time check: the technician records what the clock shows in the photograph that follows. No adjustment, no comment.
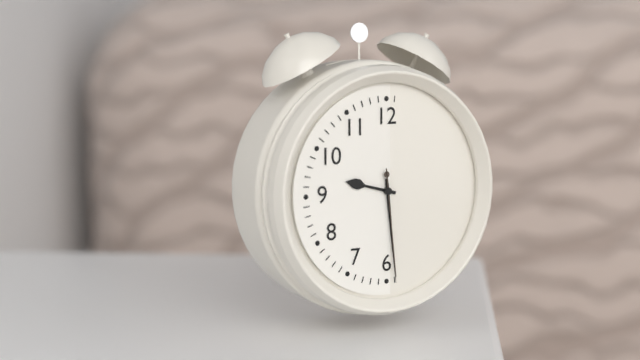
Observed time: 9:29:29
